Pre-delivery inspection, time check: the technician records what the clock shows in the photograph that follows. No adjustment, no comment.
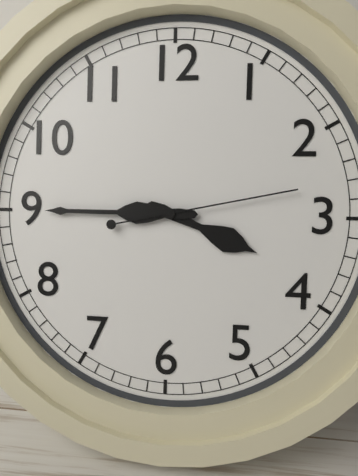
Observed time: 3:45:13
